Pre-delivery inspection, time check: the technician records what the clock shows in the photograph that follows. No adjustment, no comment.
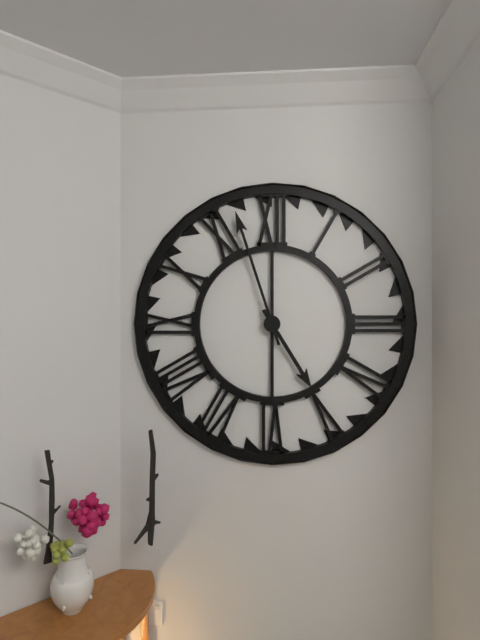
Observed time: 4:57
